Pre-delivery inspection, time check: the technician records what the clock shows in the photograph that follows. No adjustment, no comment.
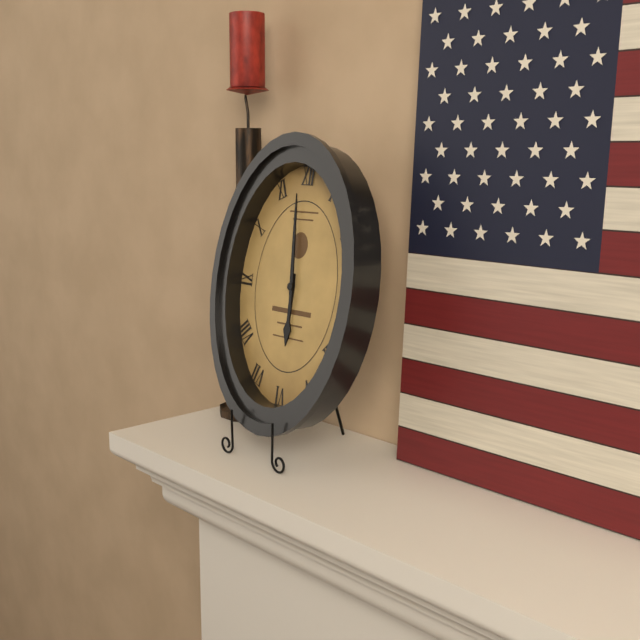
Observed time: 5:59
